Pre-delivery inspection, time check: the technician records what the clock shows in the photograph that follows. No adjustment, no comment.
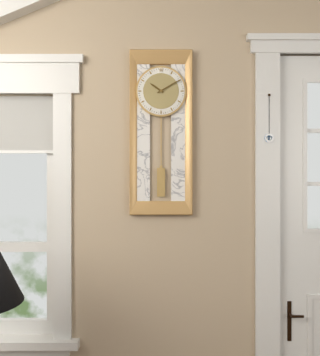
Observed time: 10:10
